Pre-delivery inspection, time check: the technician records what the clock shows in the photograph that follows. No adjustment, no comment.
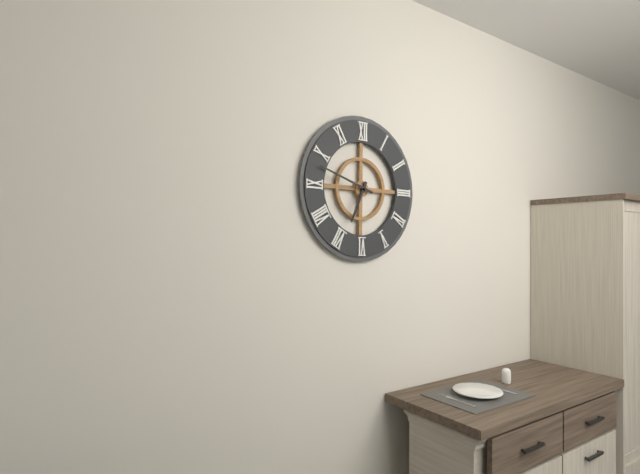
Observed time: 6:48
